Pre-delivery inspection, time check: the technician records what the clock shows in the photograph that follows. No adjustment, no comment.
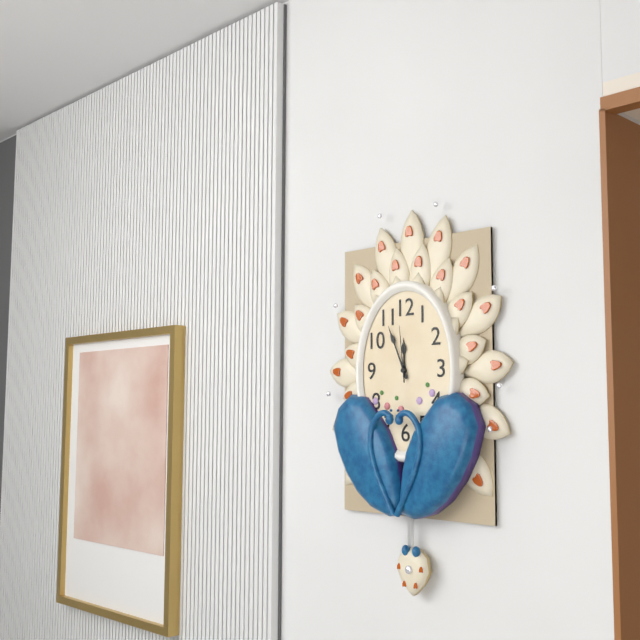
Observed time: 11:56:59
